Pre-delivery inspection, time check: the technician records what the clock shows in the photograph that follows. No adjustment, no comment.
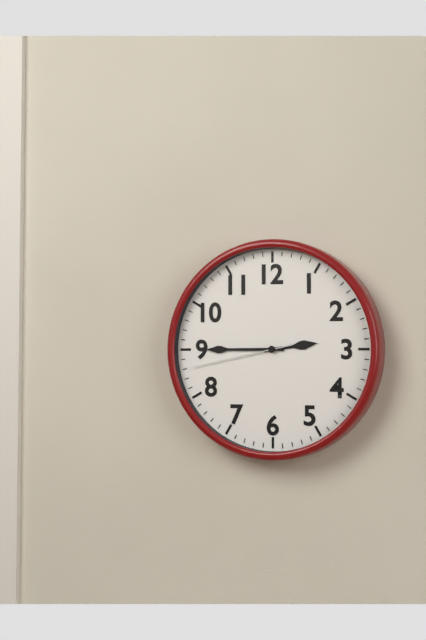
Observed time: 2:45:43
